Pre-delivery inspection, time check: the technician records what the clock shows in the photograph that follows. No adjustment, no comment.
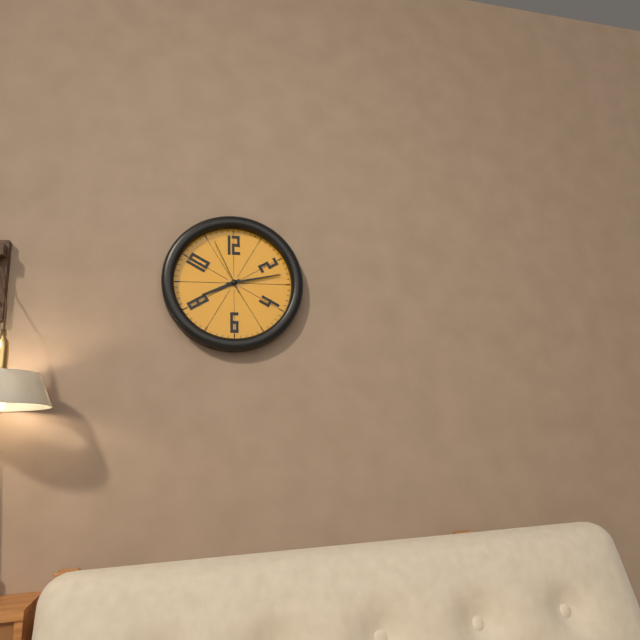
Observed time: 8:13:56
